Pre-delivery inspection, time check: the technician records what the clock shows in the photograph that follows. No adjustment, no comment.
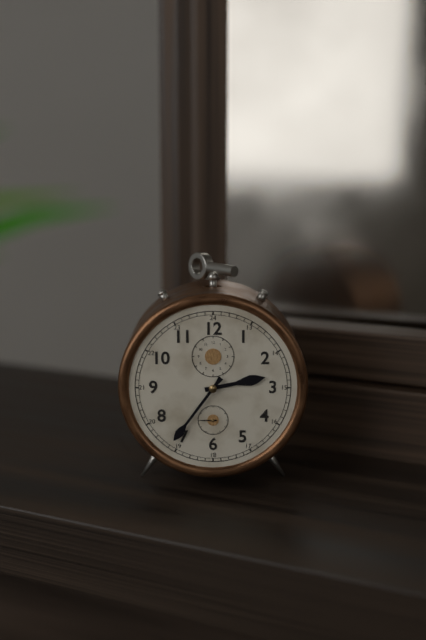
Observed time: 2:36
